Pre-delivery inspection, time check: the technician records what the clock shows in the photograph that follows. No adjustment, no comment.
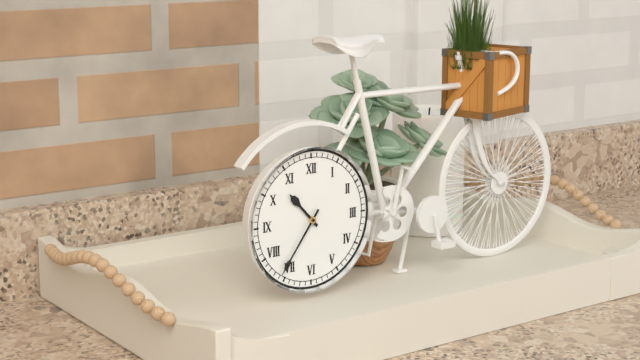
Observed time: 10:36
